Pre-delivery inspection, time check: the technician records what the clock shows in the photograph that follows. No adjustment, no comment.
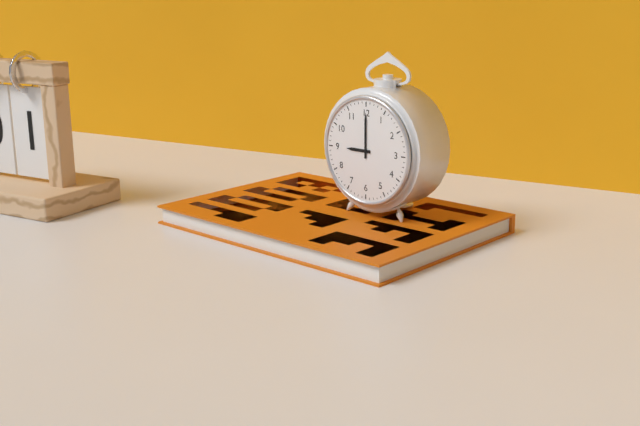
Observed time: 9:00
